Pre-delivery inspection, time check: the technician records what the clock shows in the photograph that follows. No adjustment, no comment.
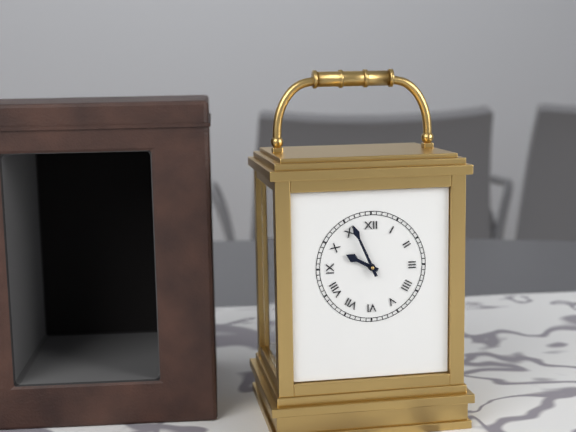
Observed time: 9:56
